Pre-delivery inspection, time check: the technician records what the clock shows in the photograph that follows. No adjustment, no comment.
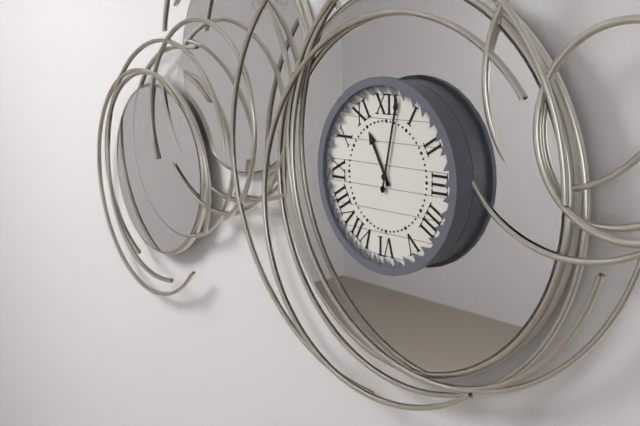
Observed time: 11:02
